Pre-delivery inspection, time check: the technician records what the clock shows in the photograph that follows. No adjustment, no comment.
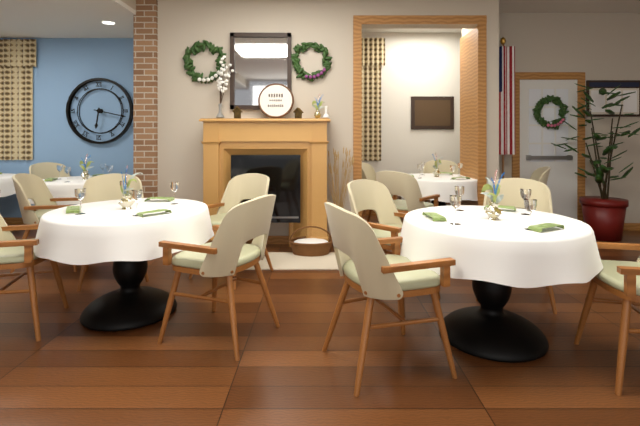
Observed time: 6:17
